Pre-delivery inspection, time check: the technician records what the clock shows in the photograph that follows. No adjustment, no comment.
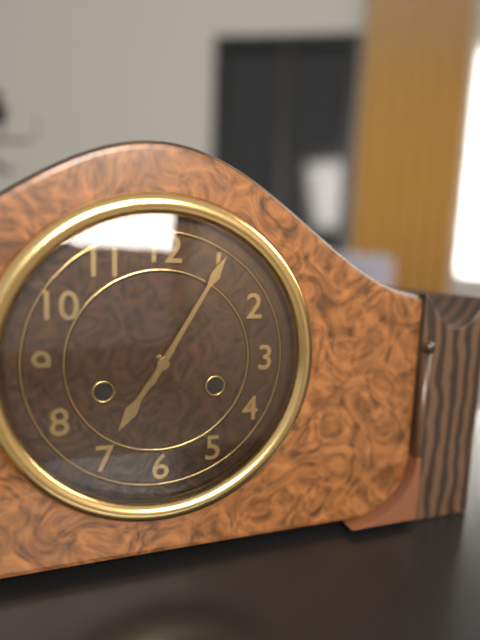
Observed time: 7:05
